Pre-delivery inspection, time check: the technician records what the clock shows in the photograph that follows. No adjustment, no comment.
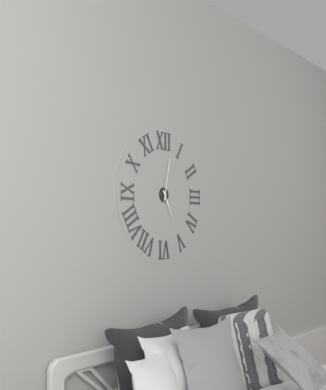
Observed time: 5:02
